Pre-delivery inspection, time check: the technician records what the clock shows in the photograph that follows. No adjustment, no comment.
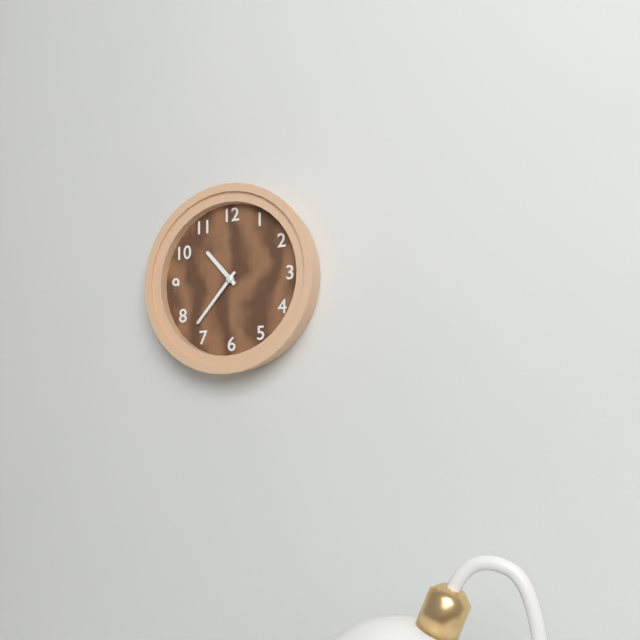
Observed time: 10:37
